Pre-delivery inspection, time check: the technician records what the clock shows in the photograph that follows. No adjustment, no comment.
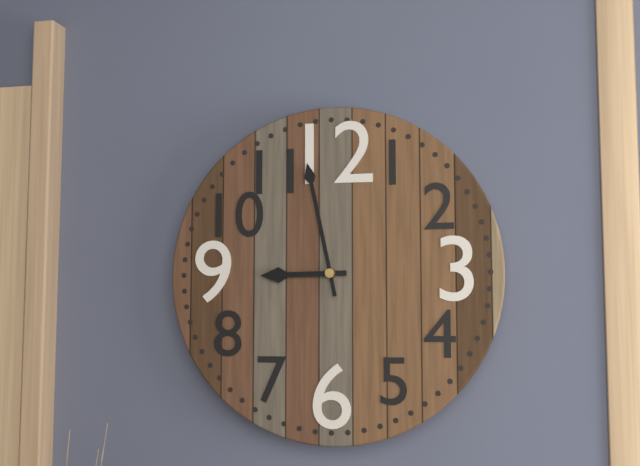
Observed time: 8:58
